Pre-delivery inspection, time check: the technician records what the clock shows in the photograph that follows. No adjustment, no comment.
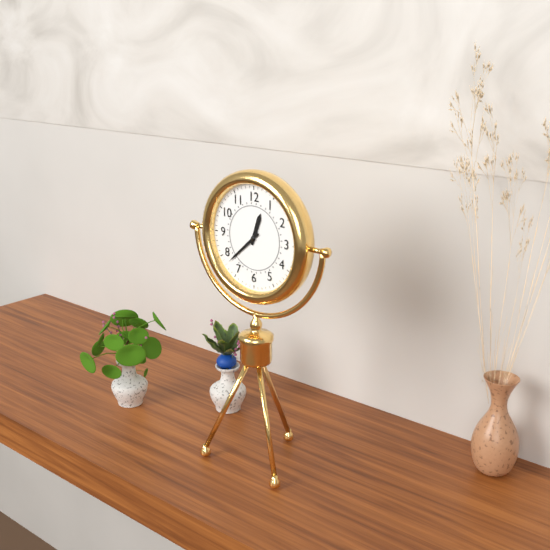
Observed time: 12:38
